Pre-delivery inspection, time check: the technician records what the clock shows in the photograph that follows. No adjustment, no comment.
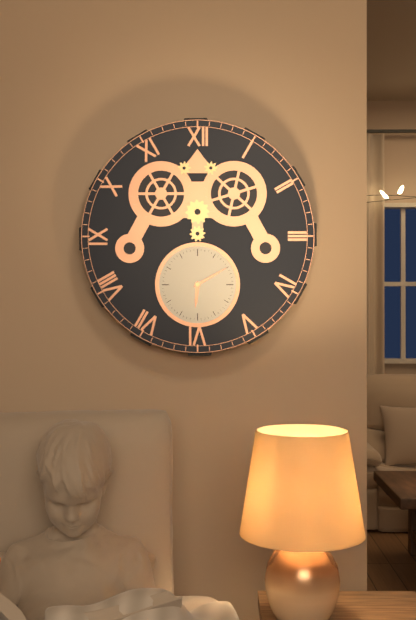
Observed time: 6:10
